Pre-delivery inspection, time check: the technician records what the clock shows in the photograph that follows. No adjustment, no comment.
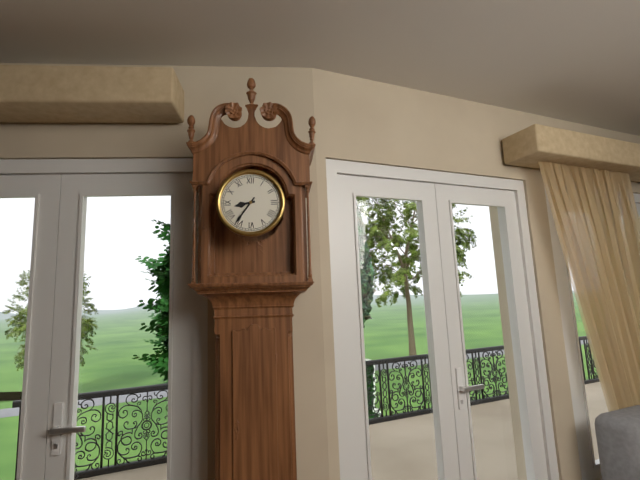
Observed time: 8:36
